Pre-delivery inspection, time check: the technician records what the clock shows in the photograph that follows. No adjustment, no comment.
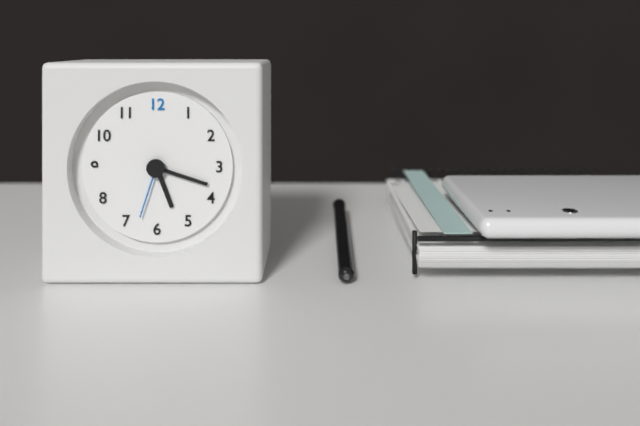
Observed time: 5:18:33
